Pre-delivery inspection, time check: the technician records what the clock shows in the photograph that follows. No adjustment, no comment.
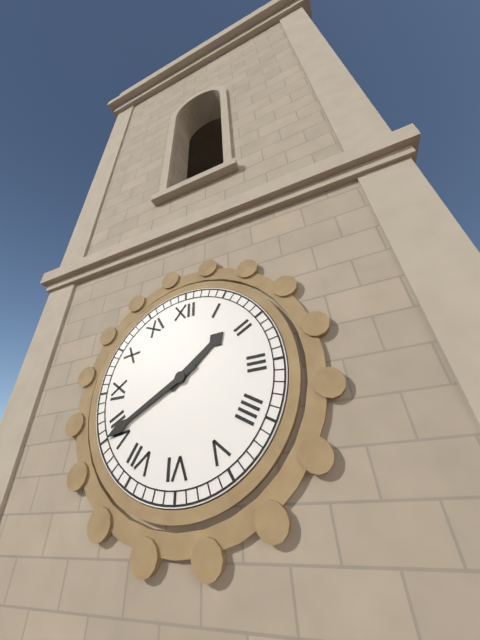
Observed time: 1:40
